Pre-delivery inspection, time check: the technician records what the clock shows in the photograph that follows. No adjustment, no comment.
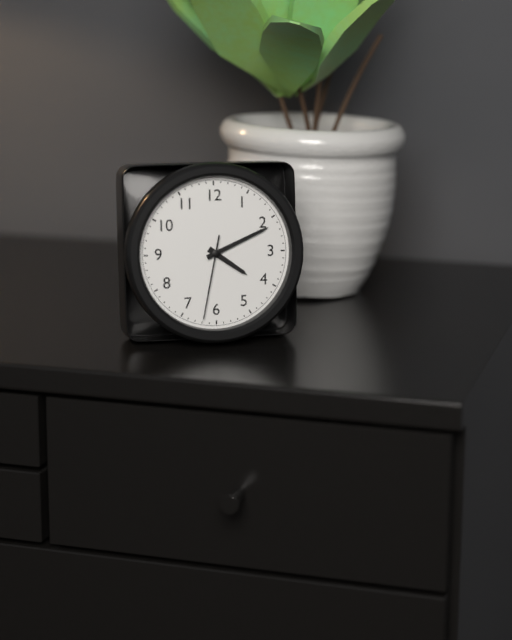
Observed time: 4:11:32
